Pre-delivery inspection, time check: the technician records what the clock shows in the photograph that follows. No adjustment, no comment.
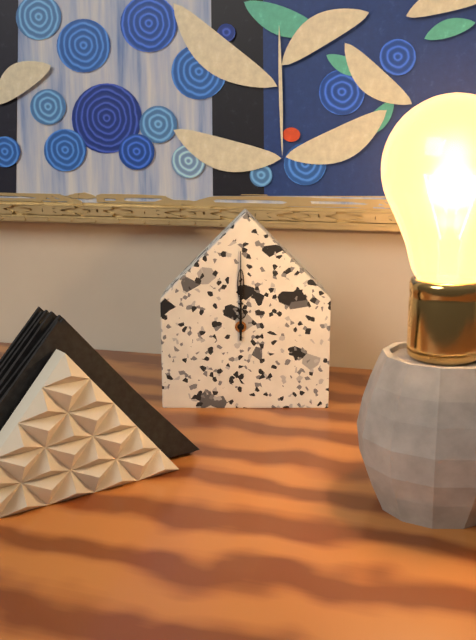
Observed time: 12:00
